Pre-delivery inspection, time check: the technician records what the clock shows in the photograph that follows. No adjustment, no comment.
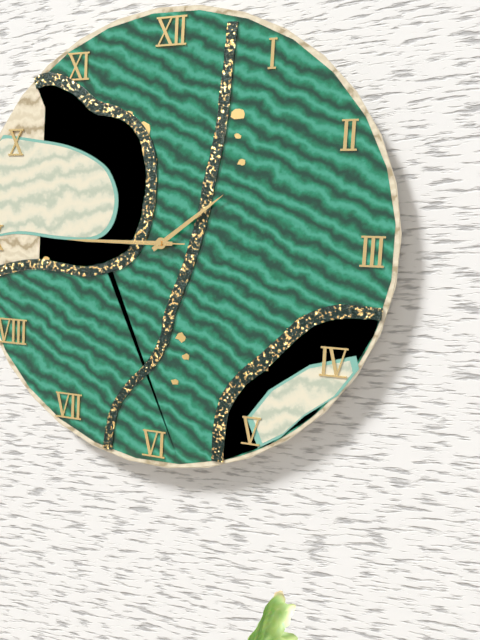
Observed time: 1:45:45
